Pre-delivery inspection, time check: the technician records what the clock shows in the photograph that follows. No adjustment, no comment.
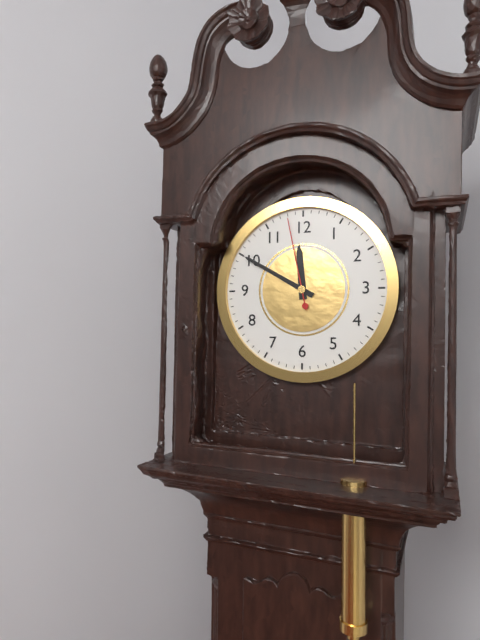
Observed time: 11:50:58
